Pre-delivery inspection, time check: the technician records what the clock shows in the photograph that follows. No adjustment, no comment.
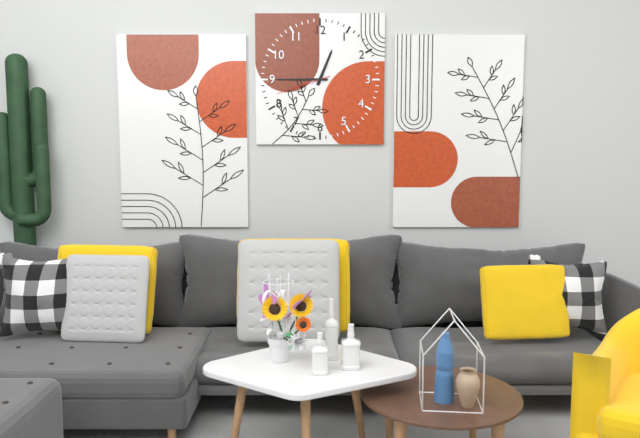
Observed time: 12:45:42
